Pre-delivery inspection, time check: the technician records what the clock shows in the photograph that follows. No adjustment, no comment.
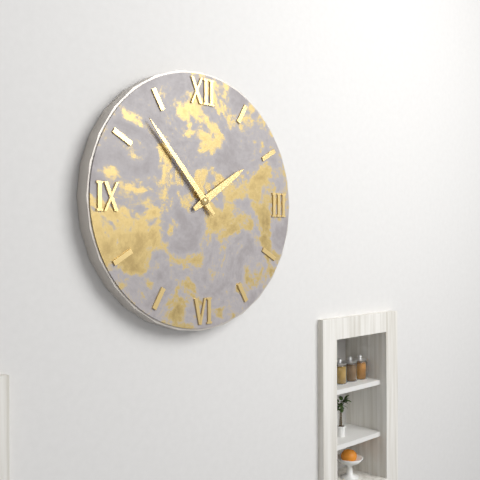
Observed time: 1:53
